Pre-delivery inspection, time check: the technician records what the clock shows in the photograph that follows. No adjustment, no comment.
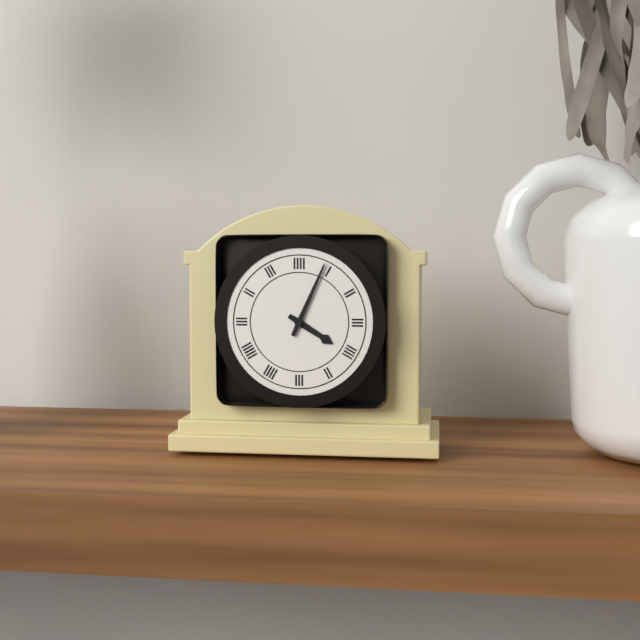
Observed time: 4:04
